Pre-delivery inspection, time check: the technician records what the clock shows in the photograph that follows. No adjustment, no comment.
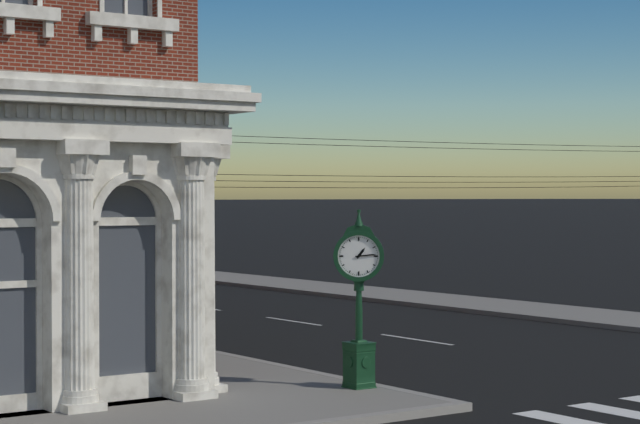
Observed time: 1:14
